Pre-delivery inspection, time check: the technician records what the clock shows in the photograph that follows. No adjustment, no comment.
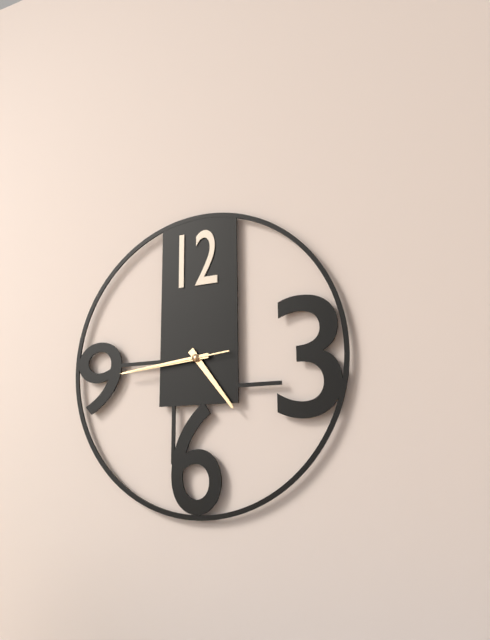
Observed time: 4:44:44
